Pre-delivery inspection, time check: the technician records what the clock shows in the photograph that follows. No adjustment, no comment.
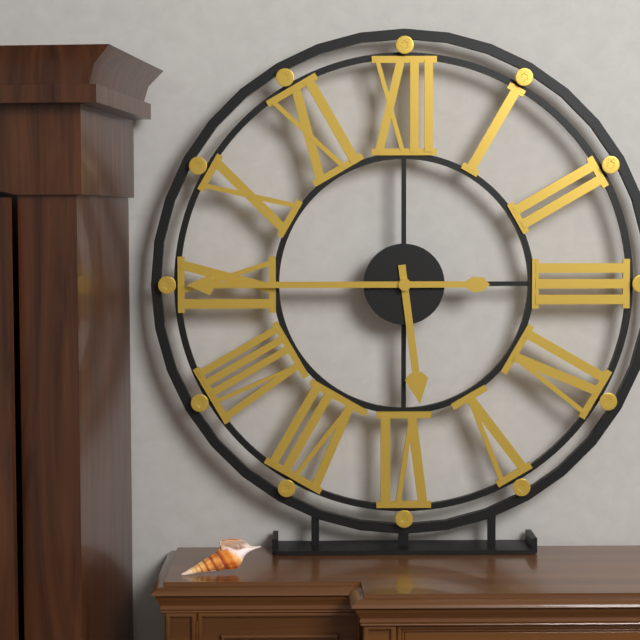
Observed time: 5:45
